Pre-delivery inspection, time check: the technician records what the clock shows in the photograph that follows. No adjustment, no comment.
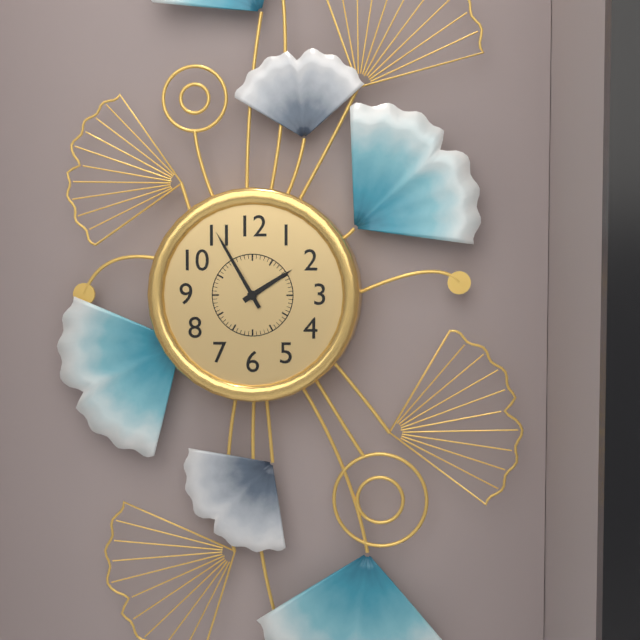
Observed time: 1:55
